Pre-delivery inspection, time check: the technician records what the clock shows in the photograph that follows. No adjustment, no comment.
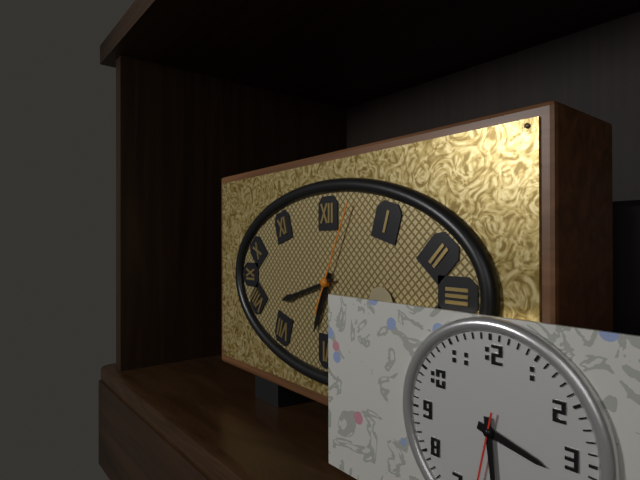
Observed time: 6:42:04
